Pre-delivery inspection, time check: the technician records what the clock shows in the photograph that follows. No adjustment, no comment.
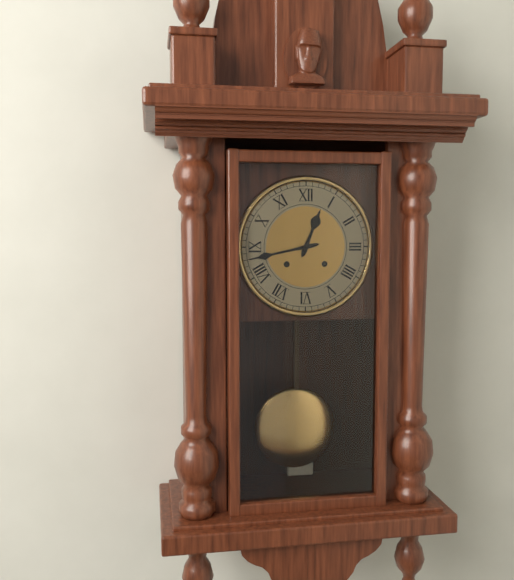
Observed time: 12:43
